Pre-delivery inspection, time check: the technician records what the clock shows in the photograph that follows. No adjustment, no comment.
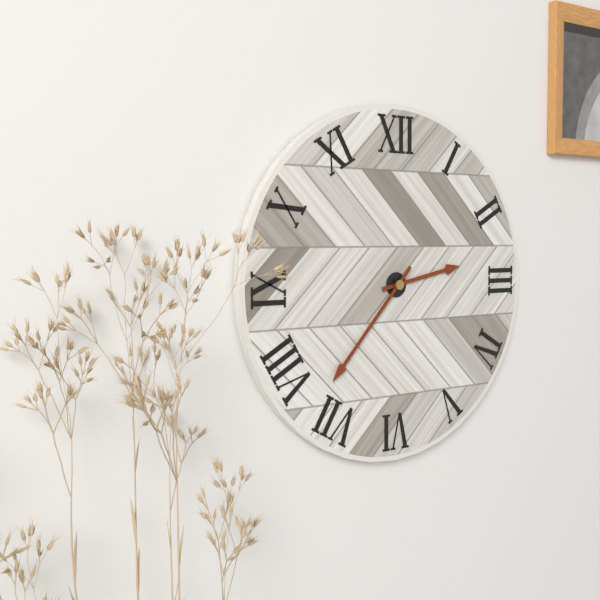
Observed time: 2:37
